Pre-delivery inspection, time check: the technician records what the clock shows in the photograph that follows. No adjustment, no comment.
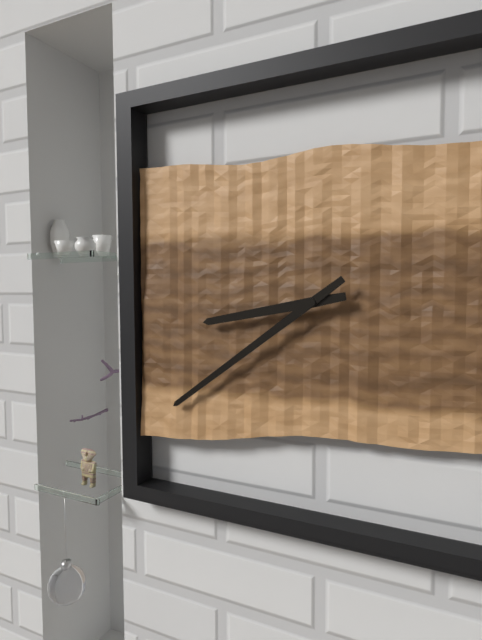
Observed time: 8:39
